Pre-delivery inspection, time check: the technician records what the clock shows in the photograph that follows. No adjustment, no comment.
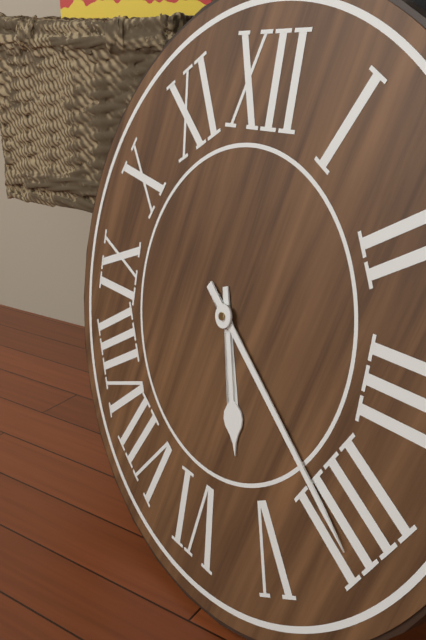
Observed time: 5:21
